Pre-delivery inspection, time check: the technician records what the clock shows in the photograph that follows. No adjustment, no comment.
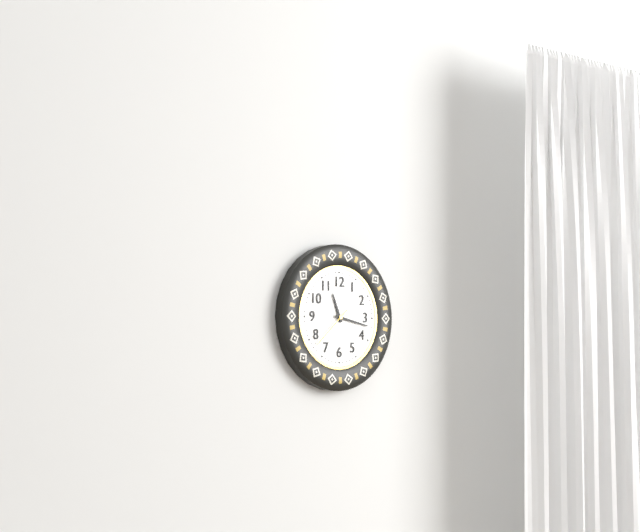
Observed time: 11:17
